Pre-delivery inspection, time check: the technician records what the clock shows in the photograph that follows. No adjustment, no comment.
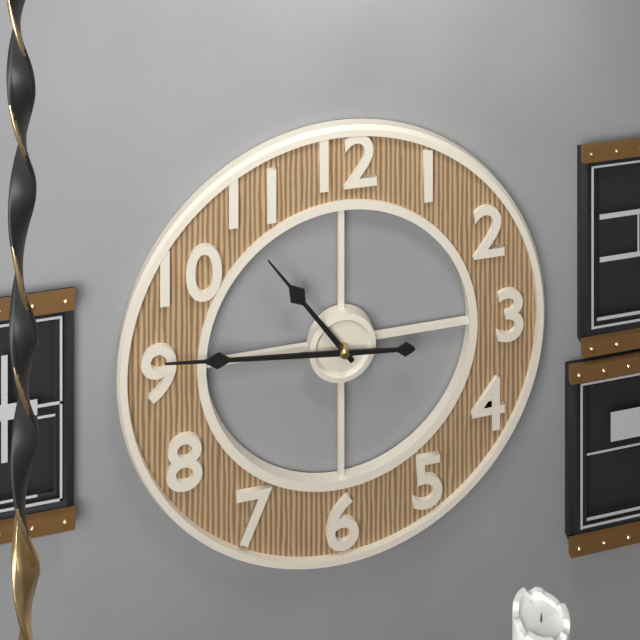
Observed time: 10:46
